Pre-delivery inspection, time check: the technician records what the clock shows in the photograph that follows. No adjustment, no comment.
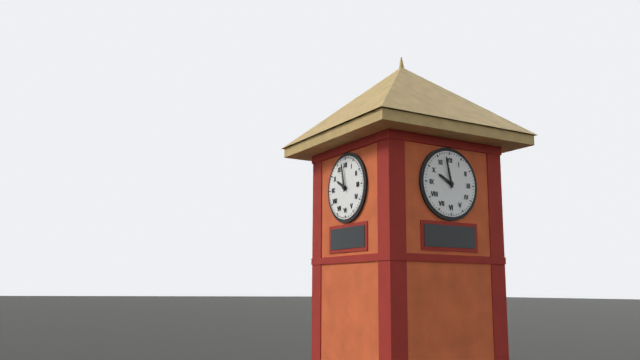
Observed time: 9:58
